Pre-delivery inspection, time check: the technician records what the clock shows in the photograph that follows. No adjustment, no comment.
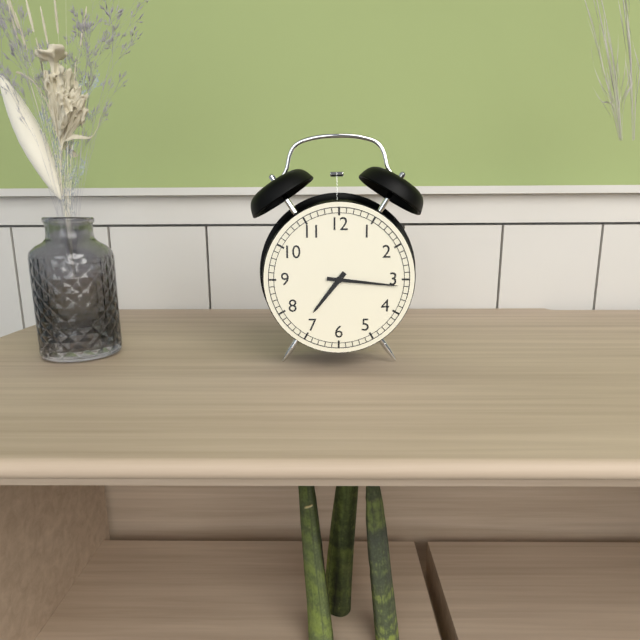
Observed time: 7:16
